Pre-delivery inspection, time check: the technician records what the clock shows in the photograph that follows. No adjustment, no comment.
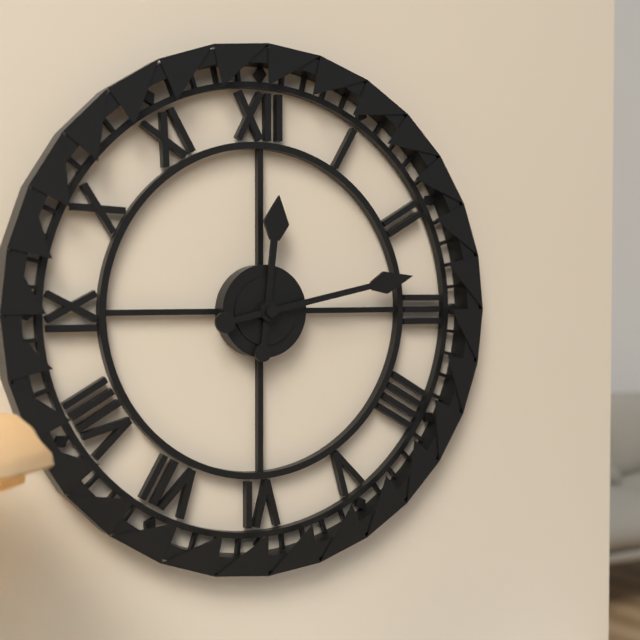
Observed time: 12:13
